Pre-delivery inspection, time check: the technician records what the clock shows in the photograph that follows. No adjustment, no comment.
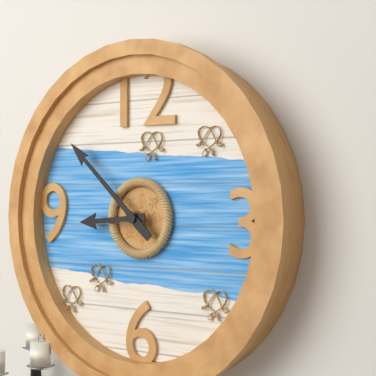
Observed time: 8:52
